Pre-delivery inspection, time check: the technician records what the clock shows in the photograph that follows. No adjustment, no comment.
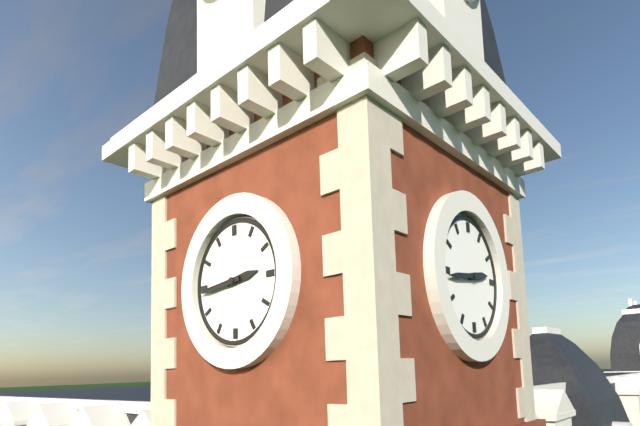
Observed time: 2:44
